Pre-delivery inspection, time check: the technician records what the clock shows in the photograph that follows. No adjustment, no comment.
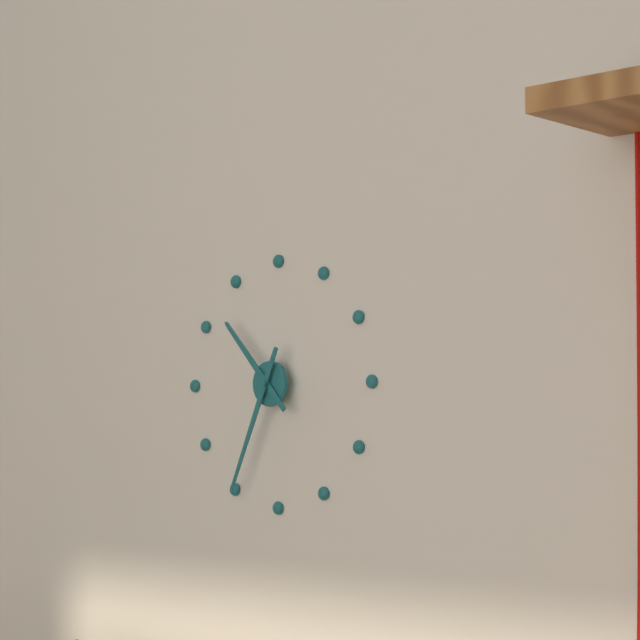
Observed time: 10:34
